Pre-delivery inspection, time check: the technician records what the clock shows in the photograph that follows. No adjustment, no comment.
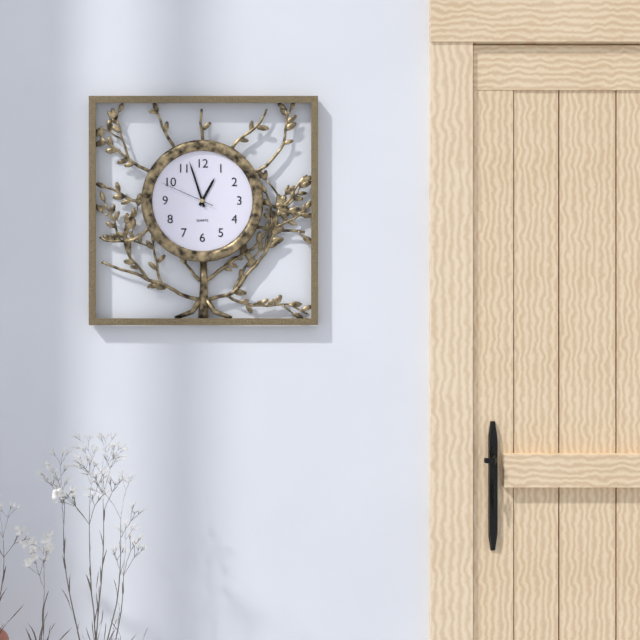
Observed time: 12:57:49
